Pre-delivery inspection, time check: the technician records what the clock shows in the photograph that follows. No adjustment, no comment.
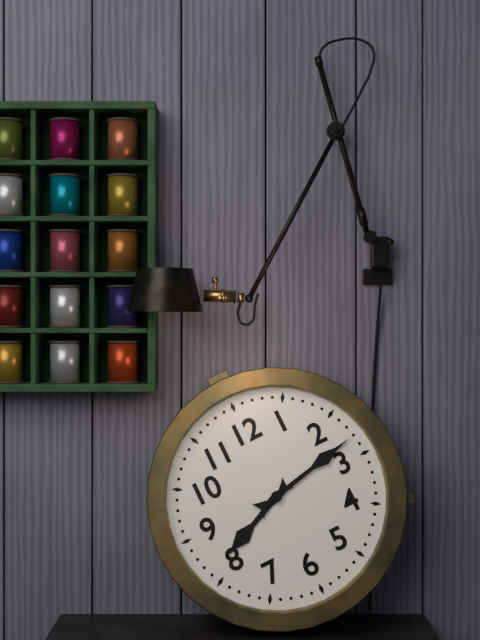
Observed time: 8:13
